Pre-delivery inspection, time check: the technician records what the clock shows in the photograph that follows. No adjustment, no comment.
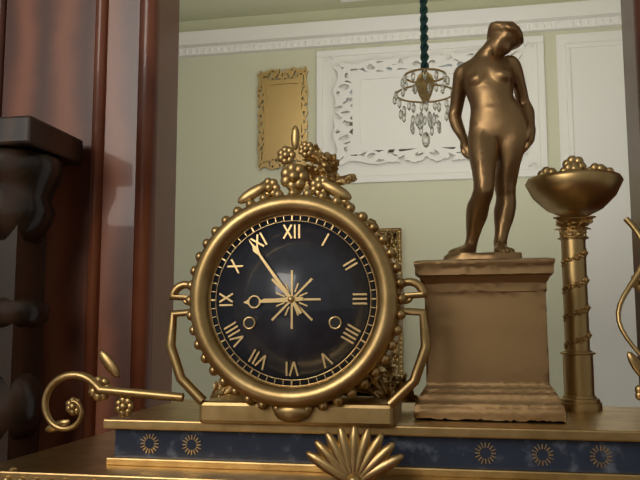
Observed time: 8:54
